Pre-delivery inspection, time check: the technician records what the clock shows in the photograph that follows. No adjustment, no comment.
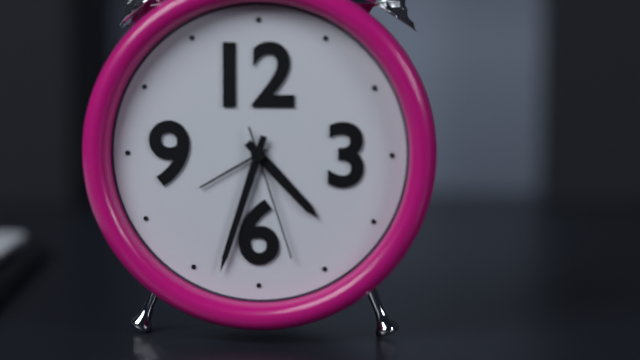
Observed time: 4:33:27
